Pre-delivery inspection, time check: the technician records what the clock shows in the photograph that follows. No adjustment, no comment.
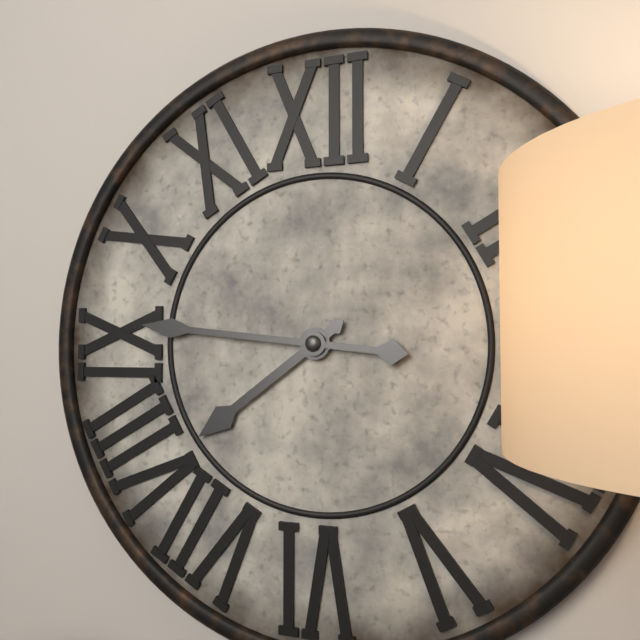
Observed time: 7:46
